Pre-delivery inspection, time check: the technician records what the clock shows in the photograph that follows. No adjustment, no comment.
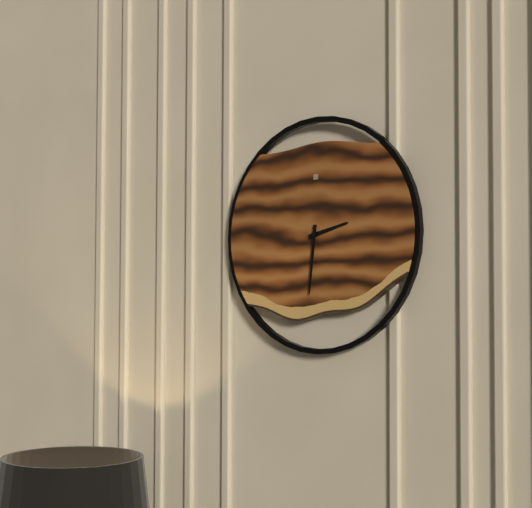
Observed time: 2:31
